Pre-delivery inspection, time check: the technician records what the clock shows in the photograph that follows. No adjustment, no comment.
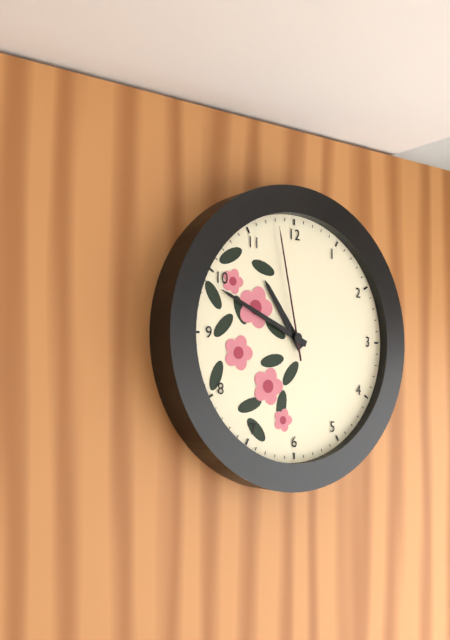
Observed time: 10:49:58
